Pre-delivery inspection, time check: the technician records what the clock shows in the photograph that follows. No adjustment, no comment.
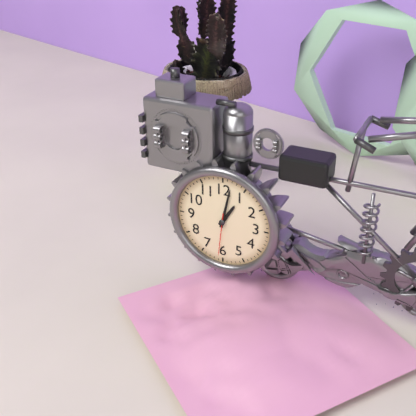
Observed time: 1:02
